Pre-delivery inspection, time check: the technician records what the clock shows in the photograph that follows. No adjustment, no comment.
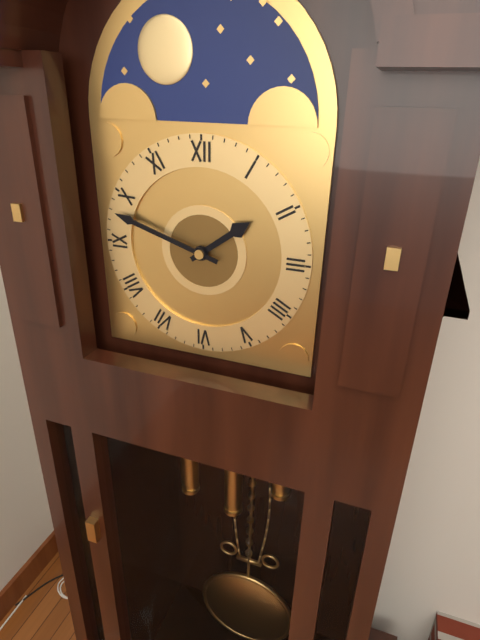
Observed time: 1:48
